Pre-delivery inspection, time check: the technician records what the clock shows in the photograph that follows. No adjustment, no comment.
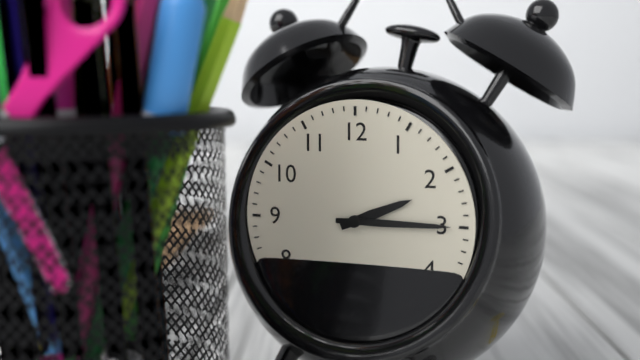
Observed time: 2:15
